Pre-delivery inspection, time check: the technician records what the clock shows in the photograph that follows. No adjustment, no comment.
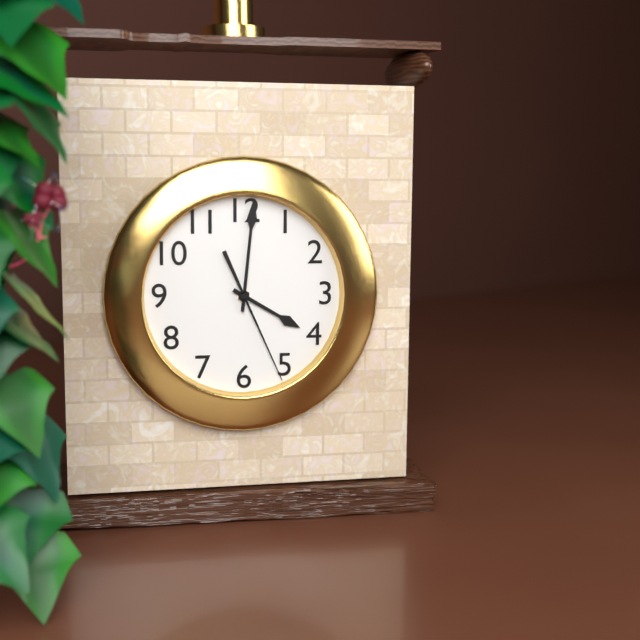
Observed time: 4:01:26
